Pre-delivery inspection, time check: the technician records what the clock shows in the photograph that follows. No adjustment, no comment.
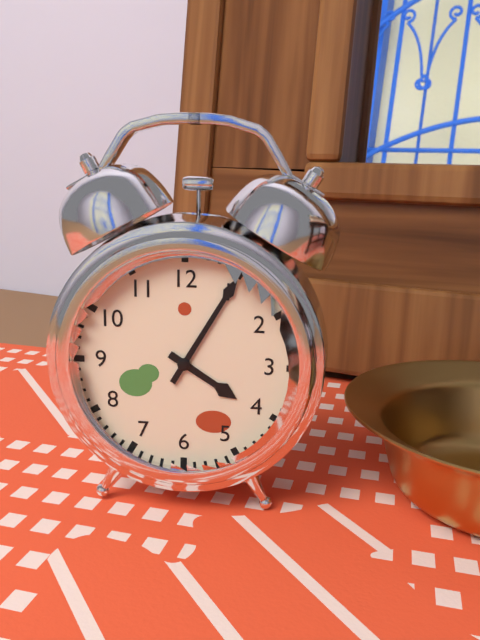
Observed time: 4:05
